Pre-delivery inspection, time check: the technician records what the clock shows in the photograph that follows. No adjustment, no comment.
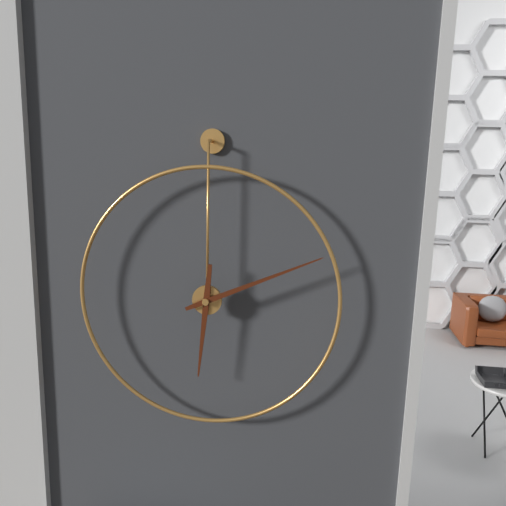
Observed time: 6:11
